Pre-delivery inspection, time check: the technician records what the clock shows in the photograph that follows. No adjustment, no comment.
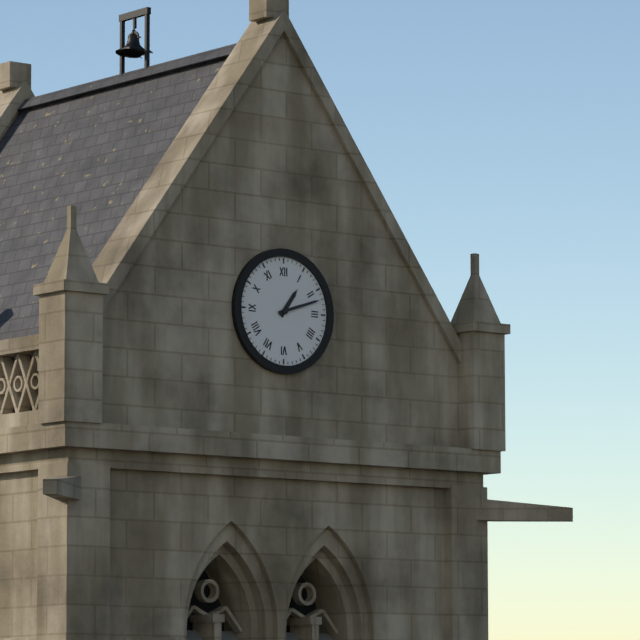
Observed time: 1:12
